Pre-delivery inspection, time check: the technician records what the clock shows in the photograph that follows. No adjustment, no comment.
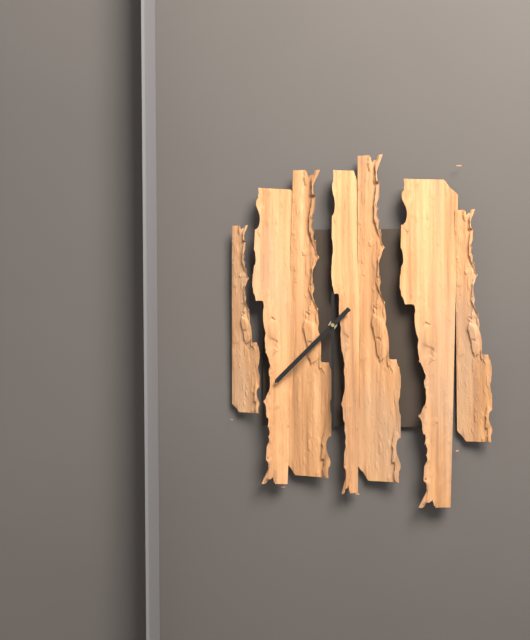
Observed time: 7:30
